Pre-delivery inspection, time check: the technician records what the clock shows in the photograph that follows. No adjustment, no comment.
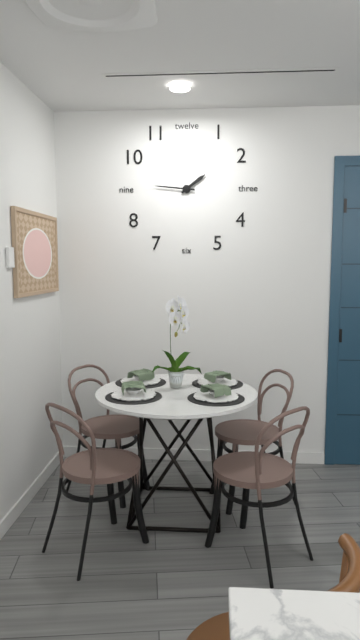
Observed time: 1:46
